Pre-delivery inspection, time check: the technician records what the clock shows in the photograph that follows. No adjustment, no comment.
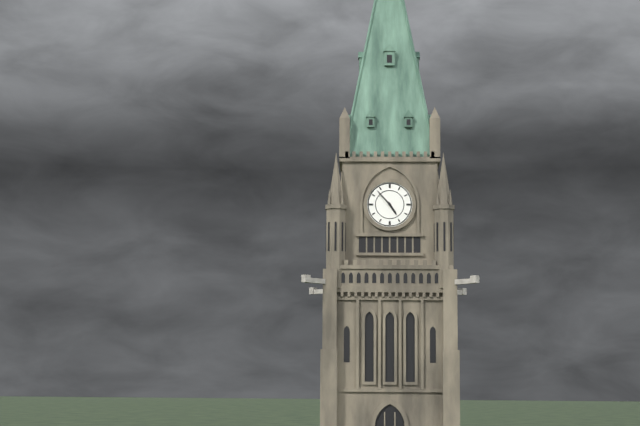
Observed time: 4:53
